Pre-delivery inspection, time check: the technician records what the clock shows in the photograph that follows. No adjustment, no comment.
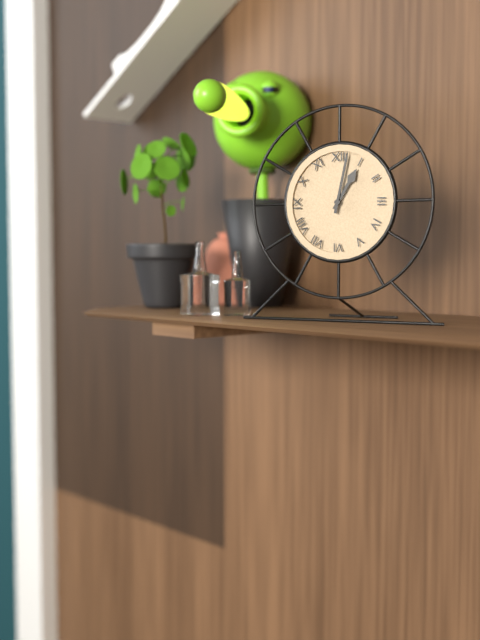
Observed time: 1:02
